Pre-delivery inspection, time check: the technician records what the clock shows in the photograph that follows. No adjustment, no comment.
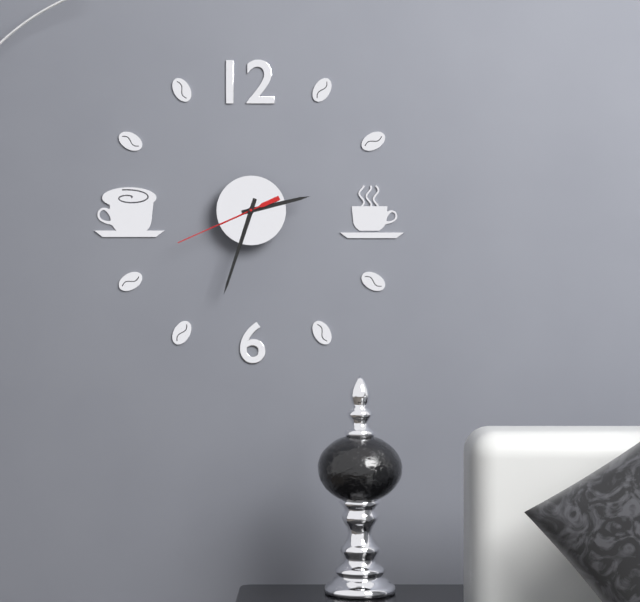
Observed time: 2:33:41
